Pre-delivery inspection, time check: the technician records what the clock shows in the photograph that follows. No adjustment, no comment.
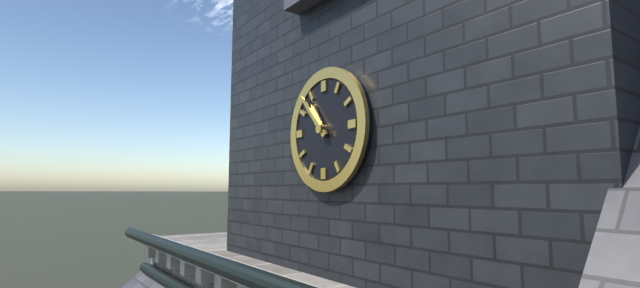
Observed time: 10:53
